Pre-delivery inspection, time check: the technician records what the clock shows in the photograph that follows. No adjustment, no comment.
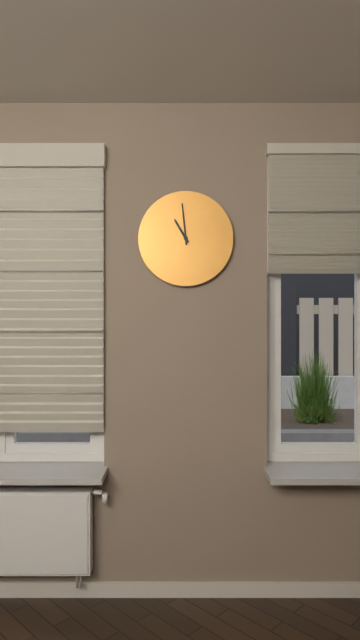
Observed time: 10:59
